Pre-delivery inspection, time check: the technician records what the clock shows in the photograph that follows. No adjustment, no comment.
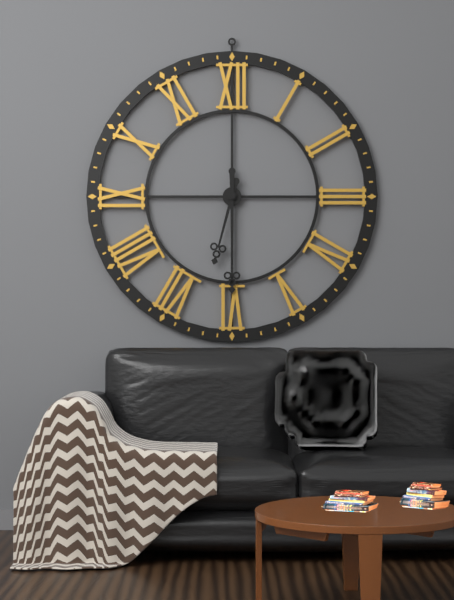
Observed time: 6:30
